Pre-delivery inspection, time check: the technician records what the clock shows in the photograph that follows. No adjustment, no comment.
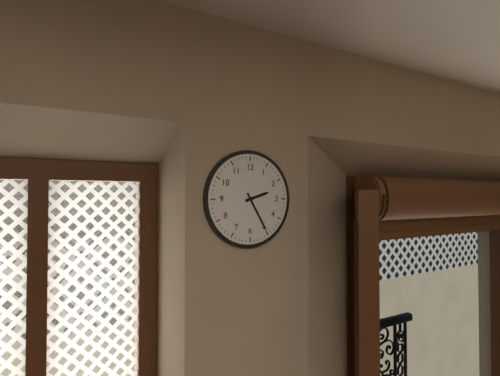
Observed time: 2:25
